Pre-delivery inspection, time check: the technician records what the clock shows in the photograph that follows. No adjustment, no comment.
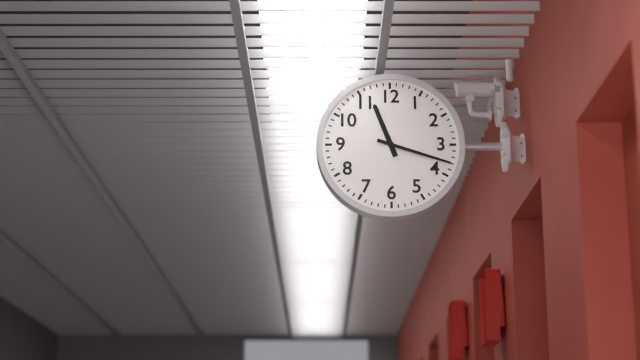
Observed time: 11:18
